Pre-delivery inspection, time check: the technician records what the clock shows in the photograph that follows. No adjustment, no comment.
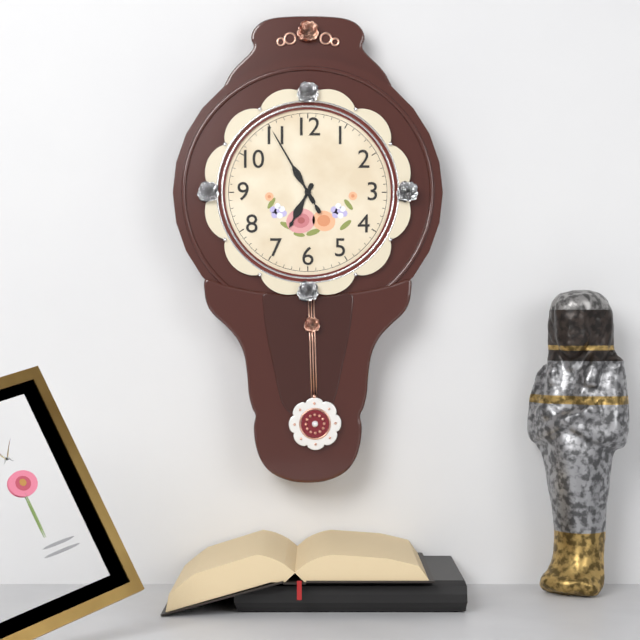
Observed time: 6:55:55
